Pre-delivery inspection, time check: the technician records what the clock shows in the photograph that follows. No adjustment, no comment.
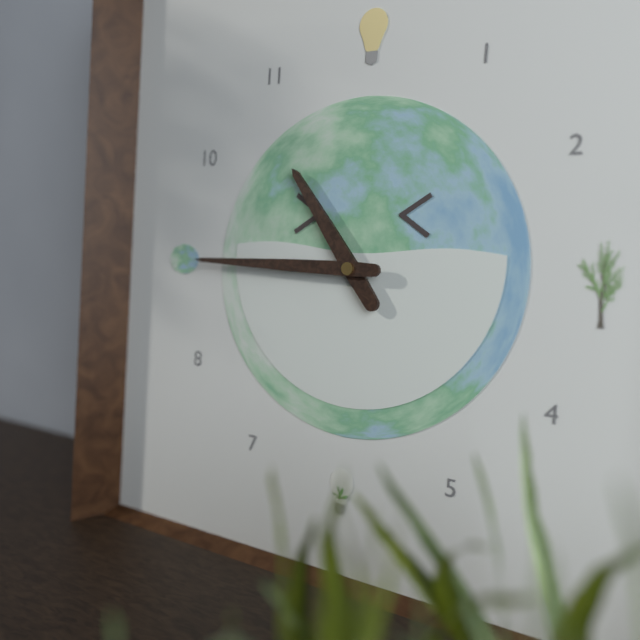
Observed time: 10:45
